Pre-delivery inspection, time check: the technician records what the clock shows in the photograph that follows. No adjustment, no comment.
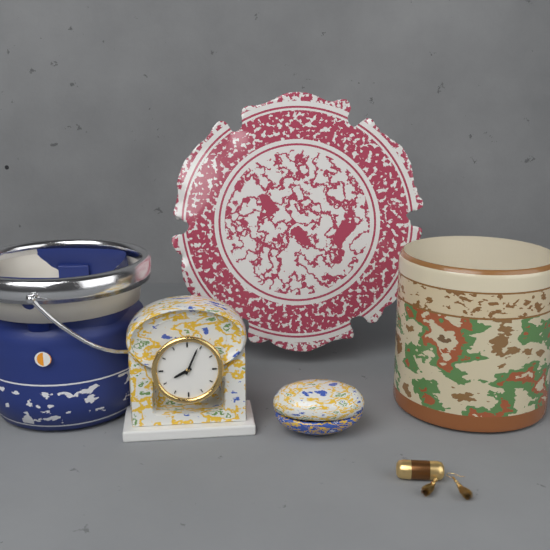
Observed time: 8:04
